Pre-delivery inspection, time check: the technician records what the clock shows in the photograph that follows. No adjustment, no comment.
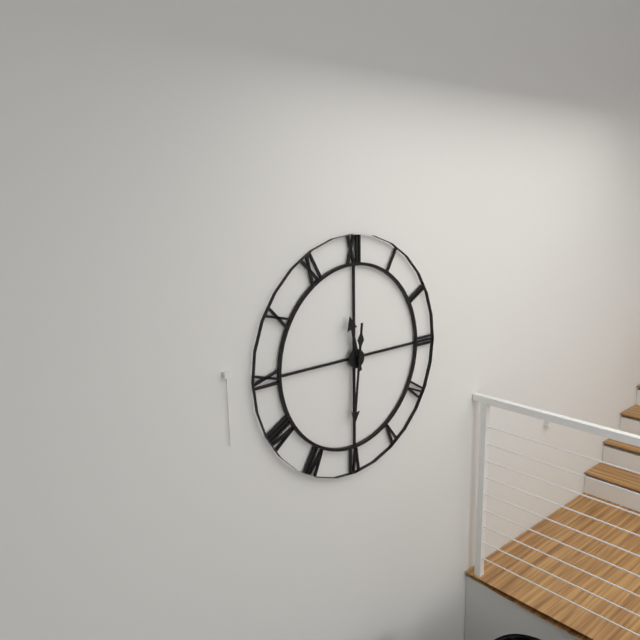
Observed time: 11:31
